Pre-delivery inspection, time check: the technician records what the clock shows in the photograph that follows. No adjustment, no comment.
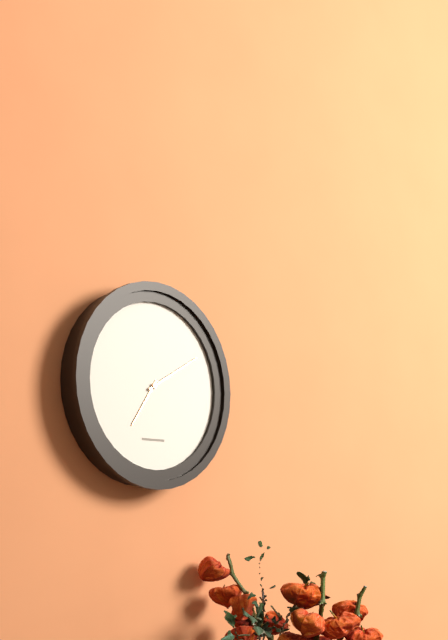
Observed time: 7:10
